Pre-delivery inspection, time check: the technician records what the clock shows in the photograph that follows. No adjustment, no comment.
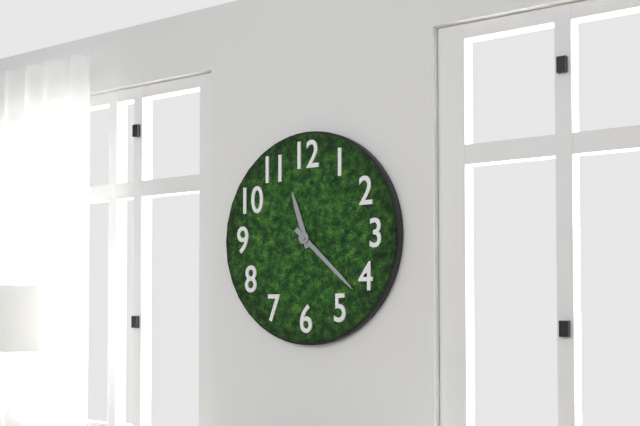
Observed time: 11:22
